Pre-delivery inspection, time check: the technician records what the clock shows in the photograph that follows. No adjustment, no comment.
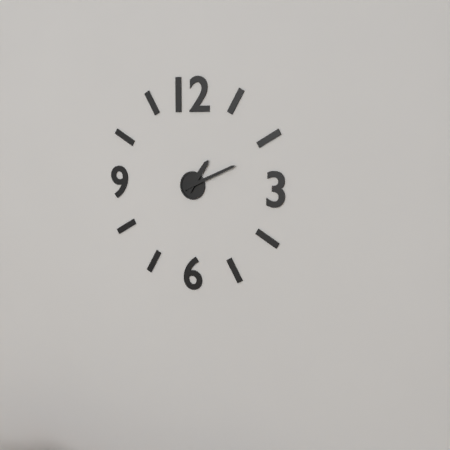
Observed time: 1:11
